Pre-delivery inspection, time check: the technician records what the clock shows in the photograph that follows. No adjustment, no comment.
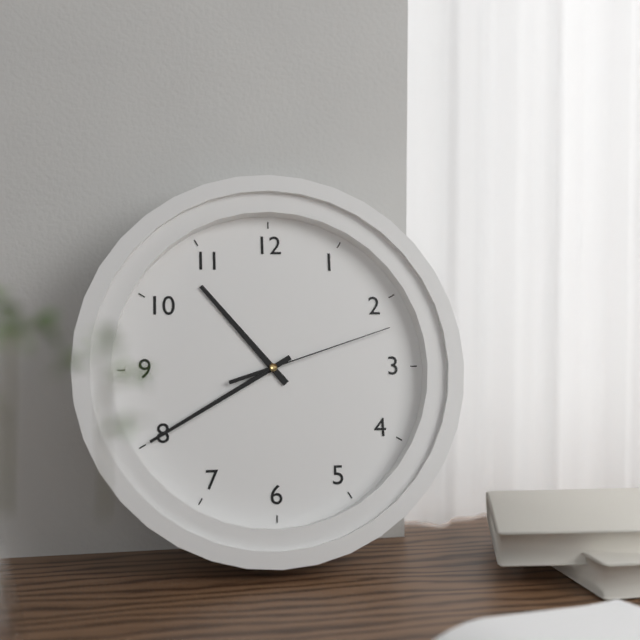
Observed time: 10:40:12
